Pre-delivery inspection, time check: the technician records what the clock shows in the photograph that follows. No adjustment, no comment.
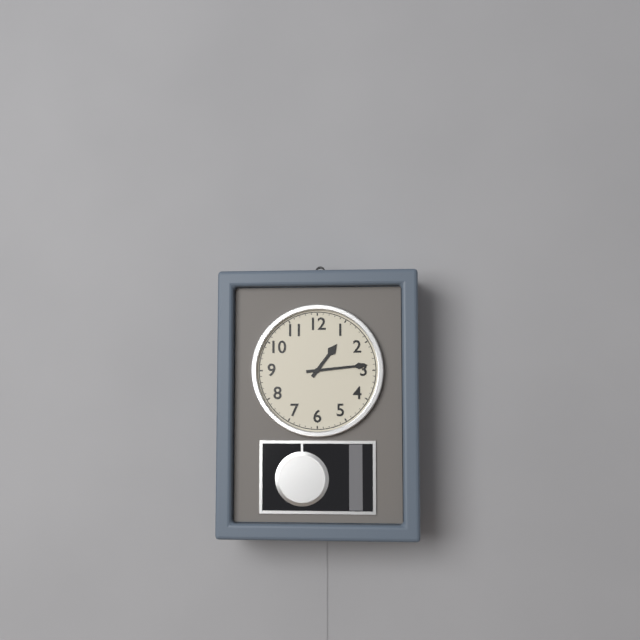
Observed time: 1:14
